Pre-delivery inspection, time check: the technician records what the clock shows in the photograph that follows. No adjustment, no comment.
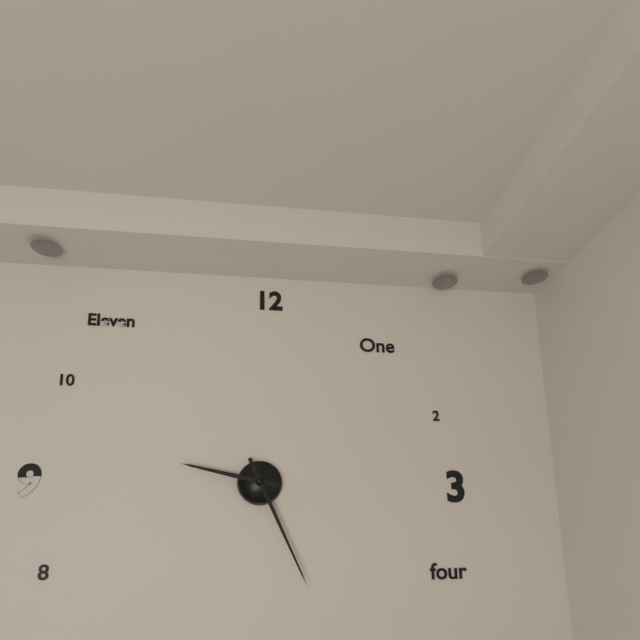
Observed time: 9:26
